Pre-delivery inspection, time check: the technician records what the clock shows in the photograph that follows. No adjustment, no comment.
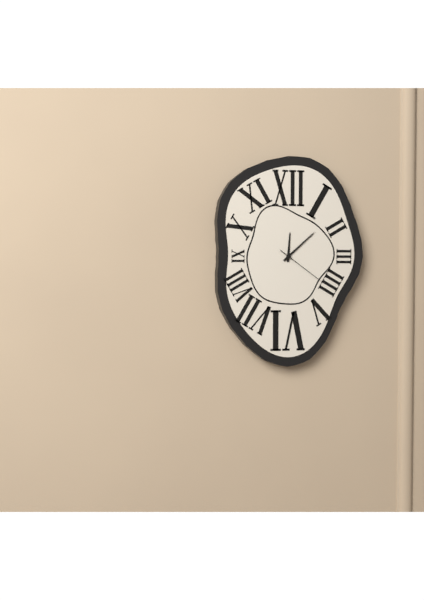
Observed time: 12:08:21
